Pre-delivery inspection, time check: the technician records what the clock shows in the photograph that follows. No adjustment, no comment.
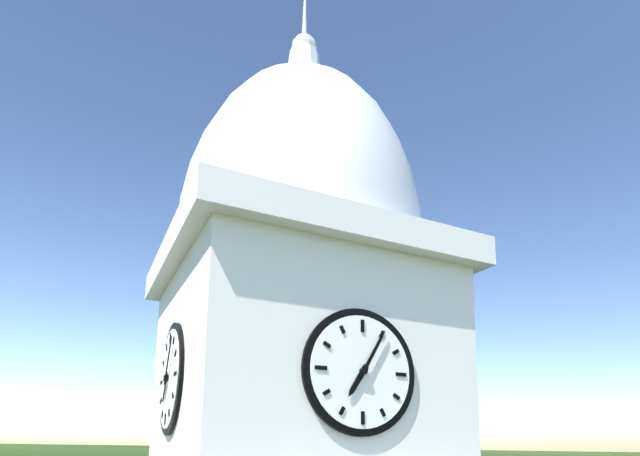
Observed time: 7:05
